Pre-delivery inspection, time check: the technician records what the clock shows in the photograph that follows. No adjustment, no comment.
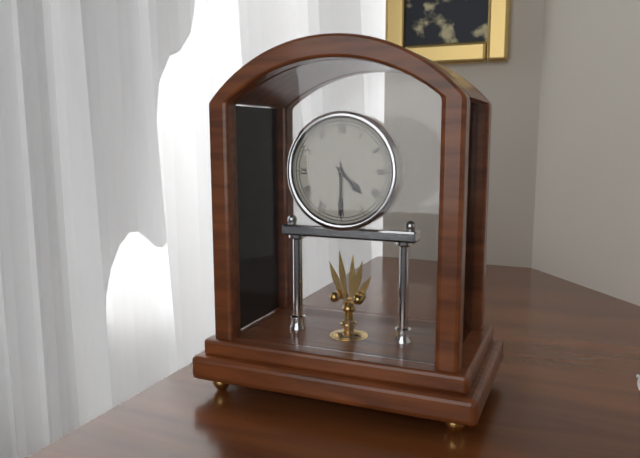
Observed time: 4:30
